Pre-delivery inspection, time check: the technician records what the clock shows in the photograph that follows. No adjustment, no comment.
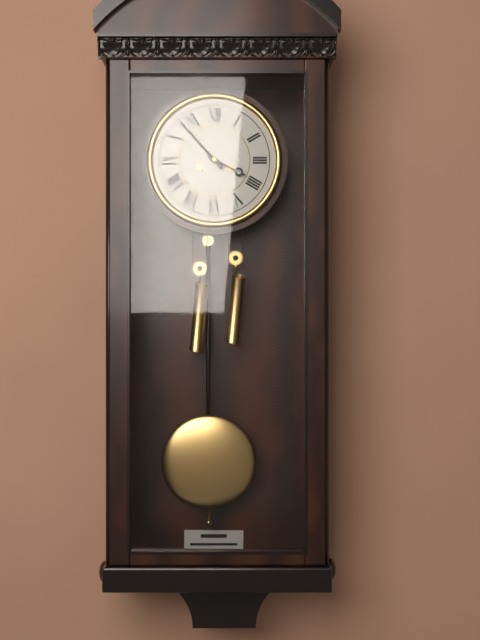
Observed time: 3:53
